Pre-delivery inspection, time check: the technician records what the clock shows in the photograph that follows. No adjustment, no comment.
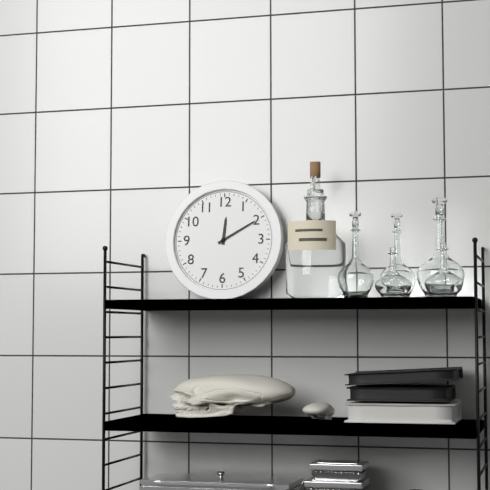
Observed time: 12:10
